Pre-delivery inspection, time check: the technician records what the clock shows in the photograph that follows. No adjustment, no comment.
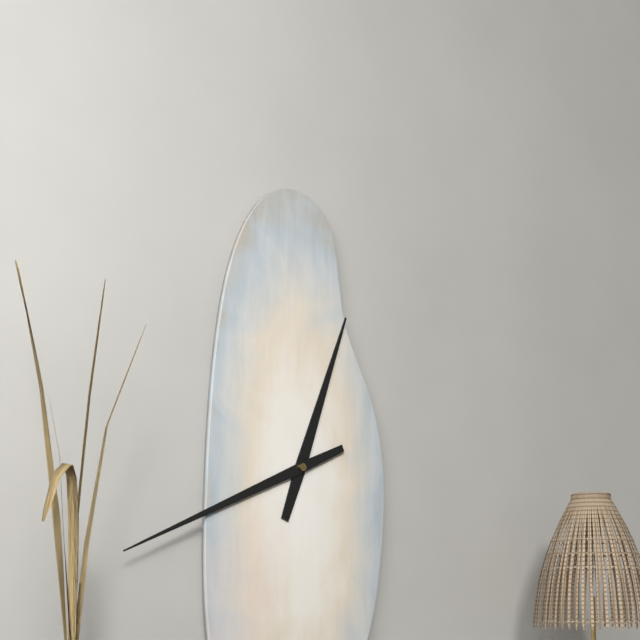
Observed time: 12:41
